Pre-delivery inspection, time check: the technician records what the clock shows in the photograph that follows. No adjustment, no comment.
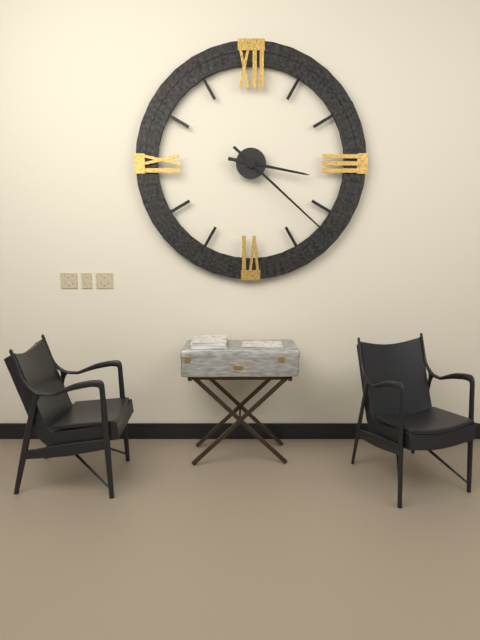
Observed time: 3:22
